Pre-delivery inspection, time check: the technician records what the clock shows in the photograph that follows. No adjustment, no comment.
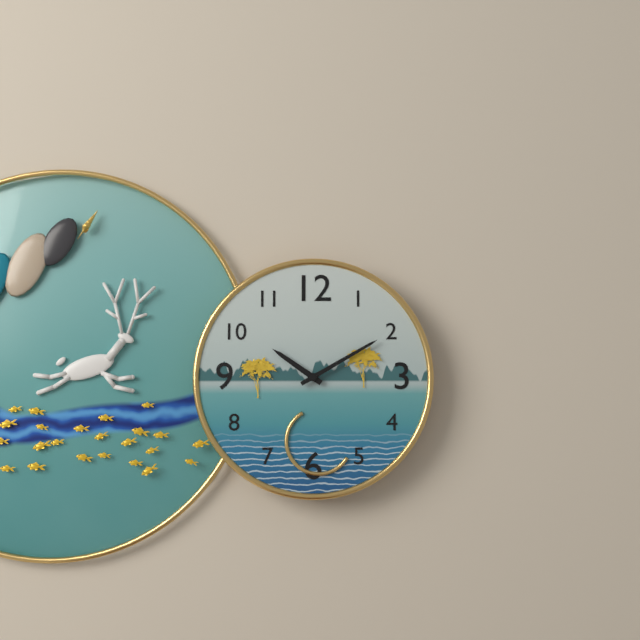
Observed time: 10:10
